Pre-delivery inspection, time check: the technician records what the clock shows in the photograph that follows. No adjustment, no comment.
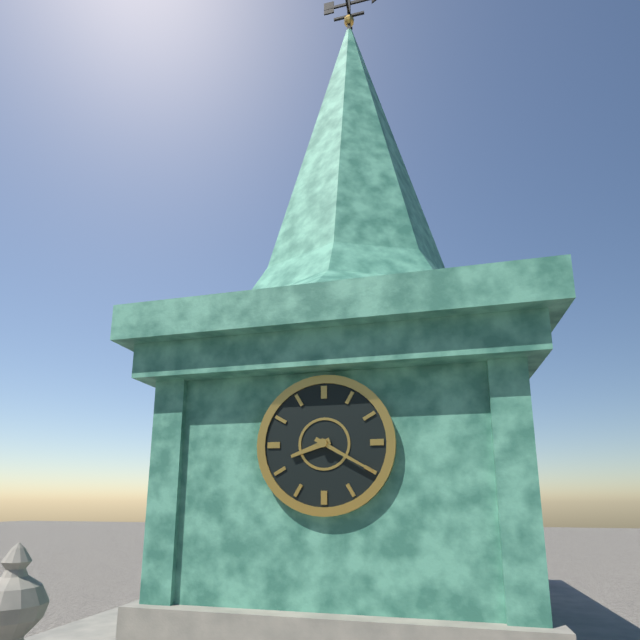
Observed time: 8:20
